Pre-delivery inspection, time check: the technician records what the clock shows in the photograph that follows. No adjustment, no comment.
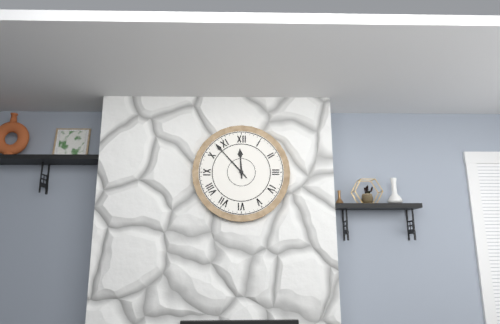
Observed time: 11:53
